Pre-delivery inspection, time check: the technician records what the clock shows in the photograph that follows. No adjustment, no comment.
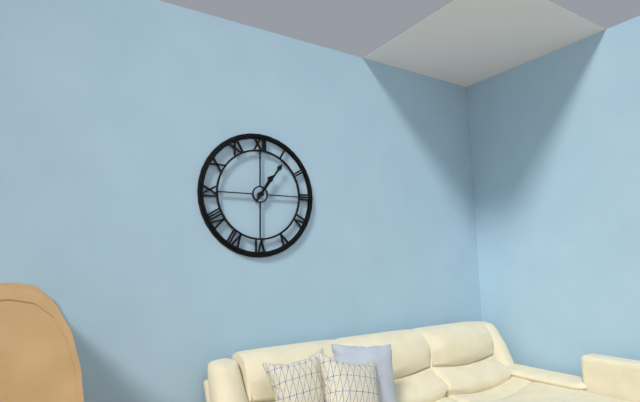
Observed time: 1:06
